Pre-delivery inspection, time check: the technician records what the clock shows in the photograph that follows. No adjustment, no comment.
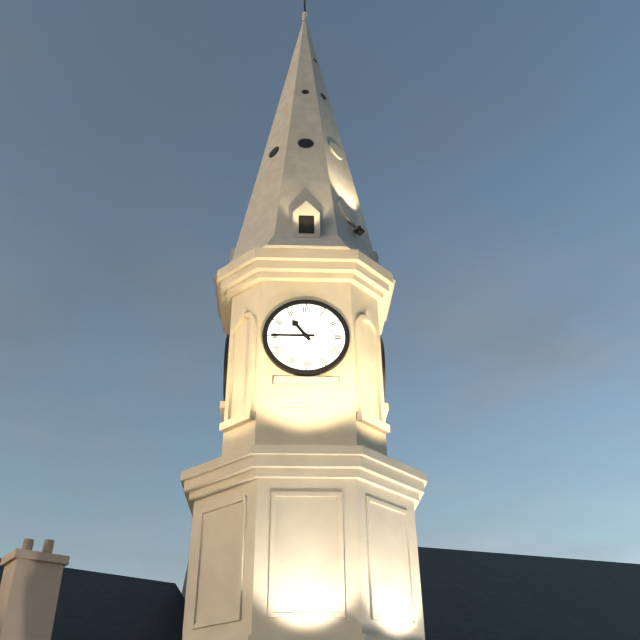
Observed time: 10:45
